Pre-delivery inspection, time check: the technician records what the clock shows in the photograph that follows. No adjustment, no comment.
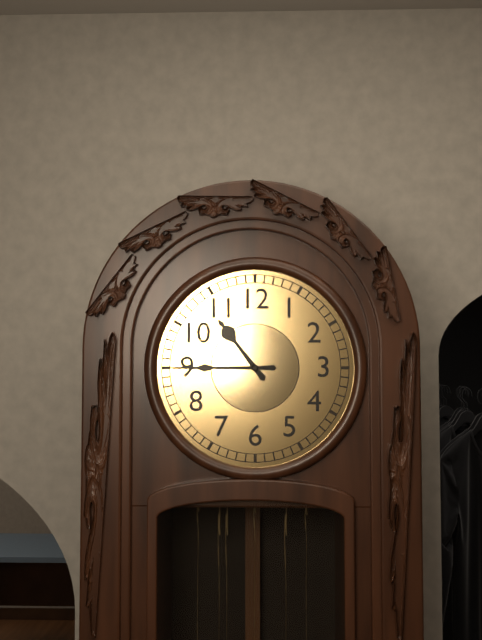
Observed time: 10:45
